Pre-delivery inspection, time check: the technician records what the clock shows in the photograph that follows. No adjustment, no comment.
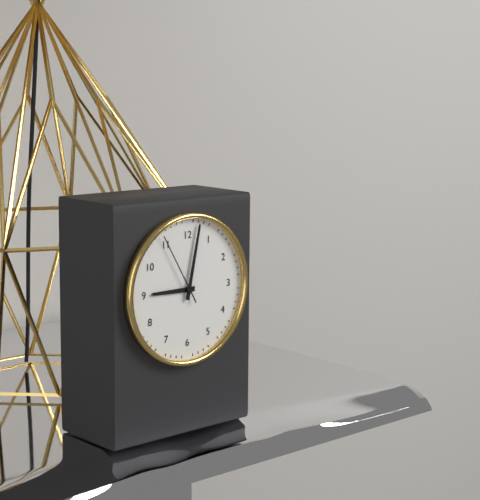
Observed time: 9:02:55
